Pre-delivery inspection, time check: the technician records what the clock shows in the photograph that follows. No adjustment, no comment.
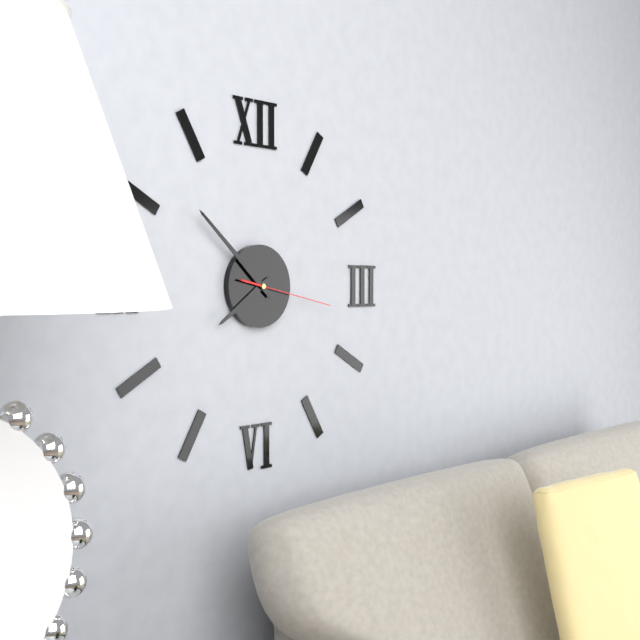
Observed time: 7:52:17
